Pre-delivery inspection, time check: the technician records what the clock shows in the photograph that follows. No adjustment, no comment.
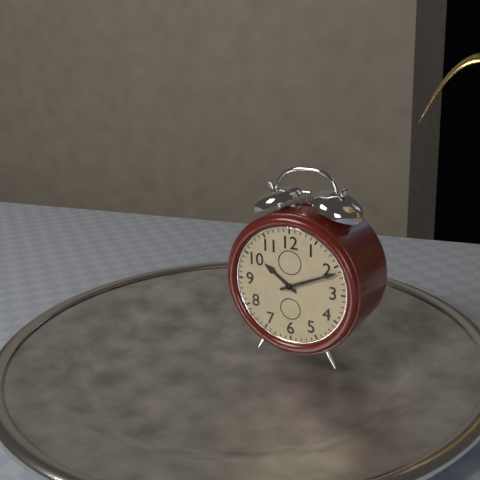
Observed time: 10:11
